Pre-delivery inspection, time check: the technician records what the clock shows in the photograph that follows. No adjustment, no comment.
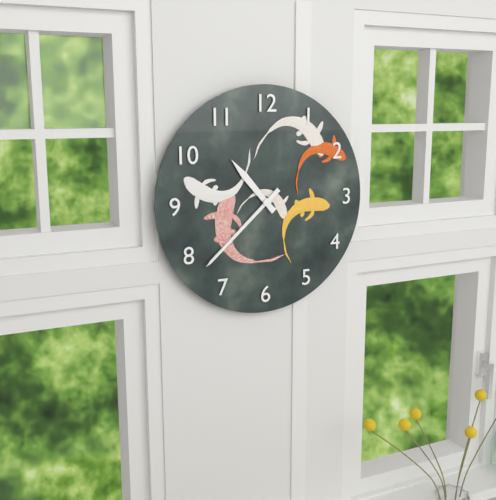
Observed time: 10:38
